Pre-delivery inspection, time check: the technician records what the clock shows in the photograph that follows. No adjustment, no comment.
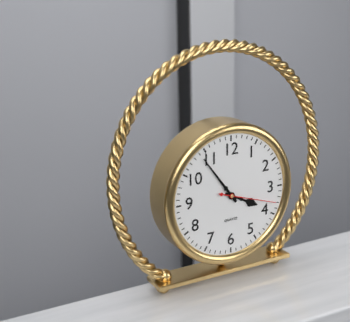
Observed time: 3:54:18
